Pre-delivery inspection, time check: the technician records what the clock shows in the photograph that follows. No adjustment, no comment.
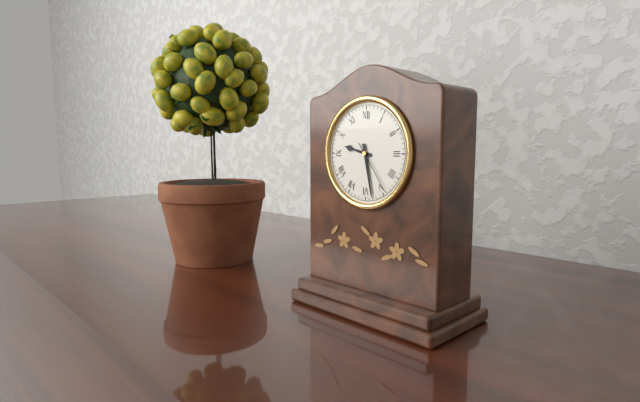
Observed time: 9:28:24
